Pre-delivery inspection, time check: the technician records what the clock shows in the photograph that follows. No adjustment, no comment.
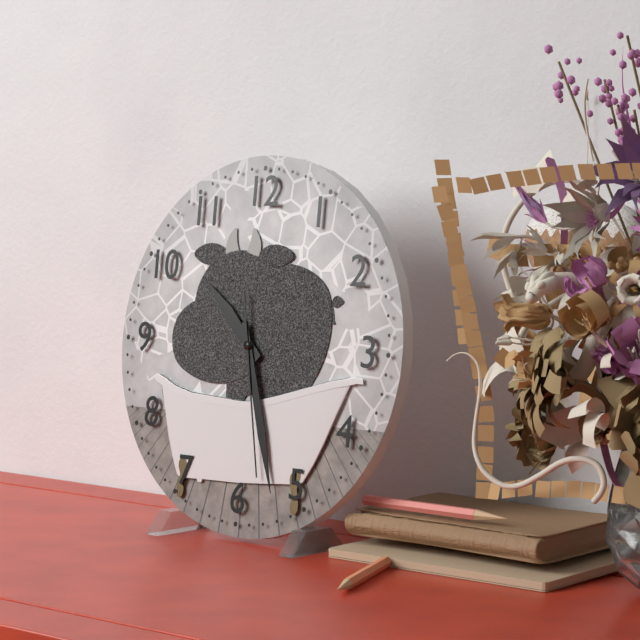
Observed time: 10:27:28
